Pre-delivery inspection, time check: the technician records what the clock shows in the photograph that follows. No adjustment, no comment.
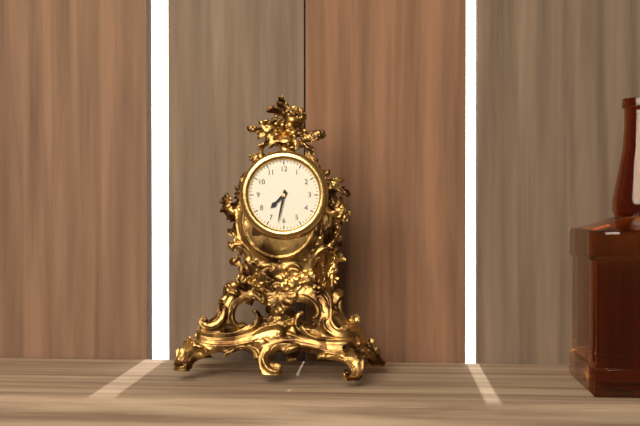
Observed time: 7:32
